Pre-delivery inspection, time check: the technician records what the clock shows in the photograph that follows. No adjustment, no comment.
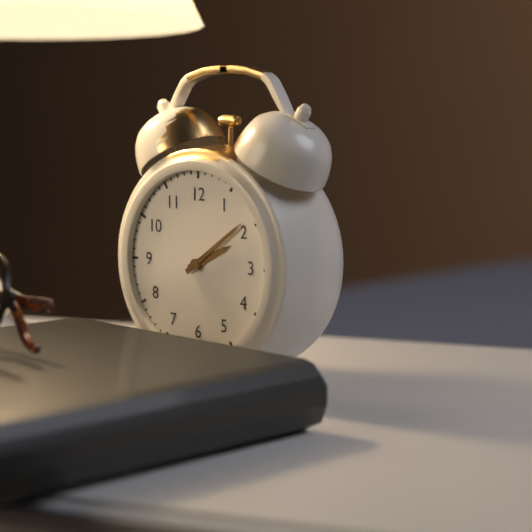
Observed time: 2:09
